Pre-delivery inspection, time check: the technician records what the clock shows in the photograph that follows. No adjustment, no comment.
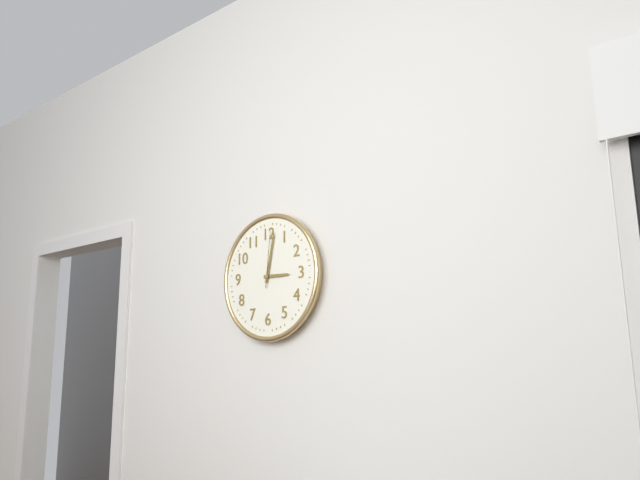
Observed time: 3:02:01
